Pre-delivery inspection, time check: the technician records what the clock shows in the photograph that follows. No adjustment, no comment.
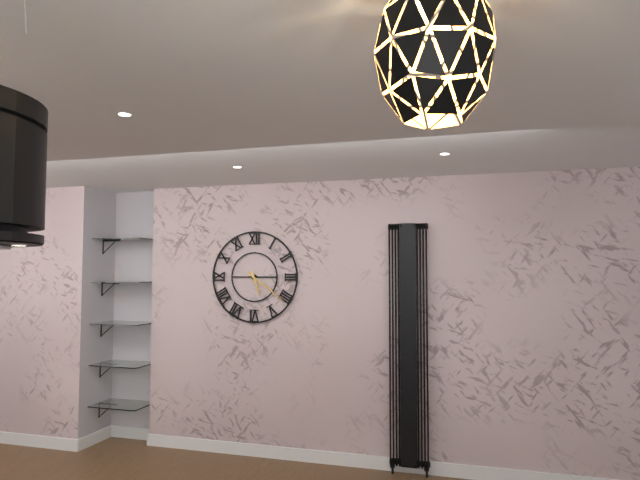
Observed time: 5:21
